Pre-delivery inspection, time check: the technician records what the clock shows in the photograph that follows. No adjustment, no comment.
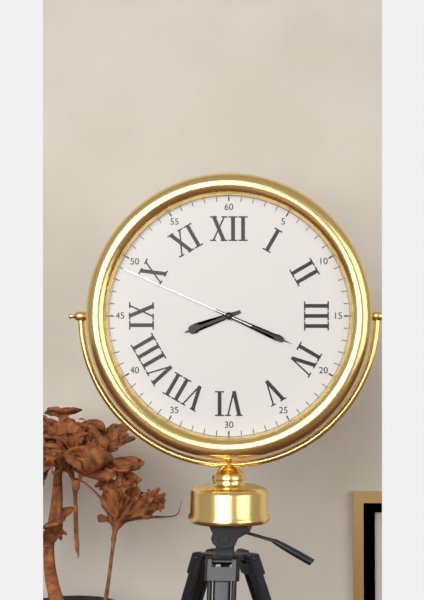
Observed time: 8:19:49
